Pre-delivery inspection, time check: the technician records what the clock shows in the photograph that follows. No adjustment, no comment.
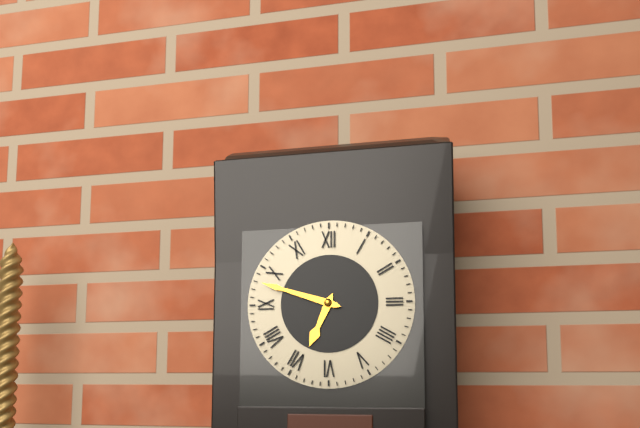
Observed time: 6:48
